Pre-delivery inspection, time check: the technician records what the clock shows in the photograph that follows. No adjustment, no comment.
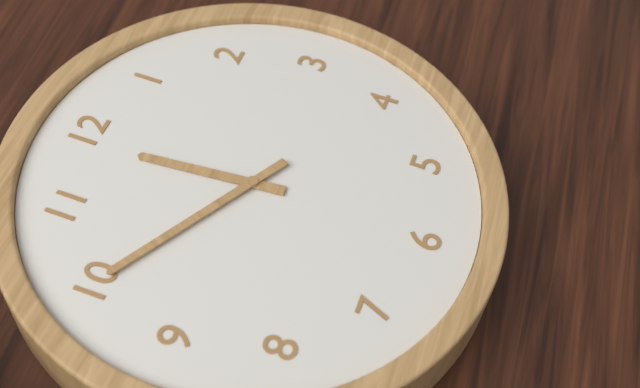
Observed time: 11:50
